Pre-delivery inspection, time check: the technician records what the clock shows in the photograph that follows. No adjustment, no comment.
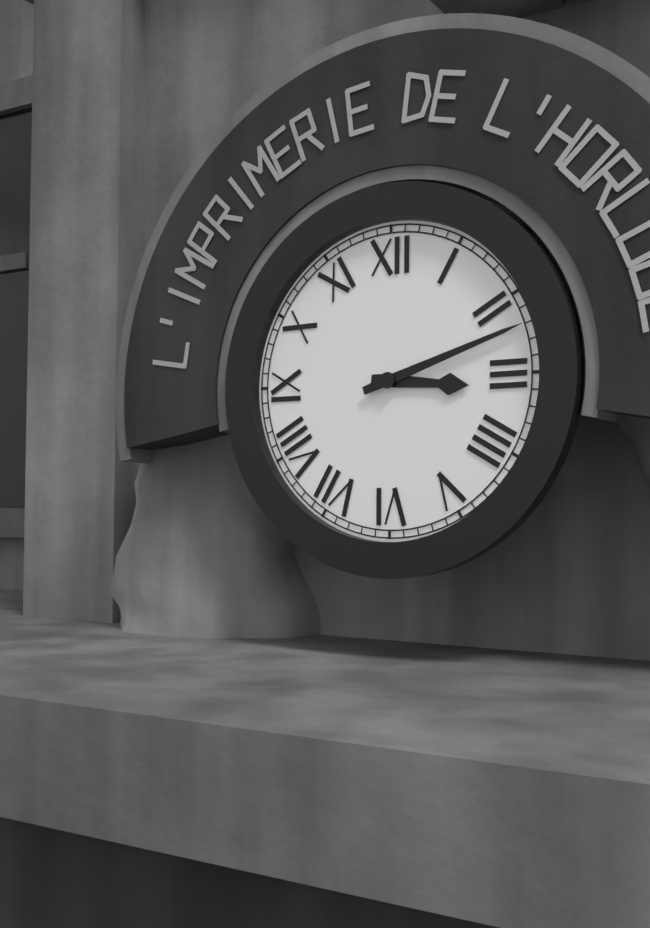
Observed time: 3:12
